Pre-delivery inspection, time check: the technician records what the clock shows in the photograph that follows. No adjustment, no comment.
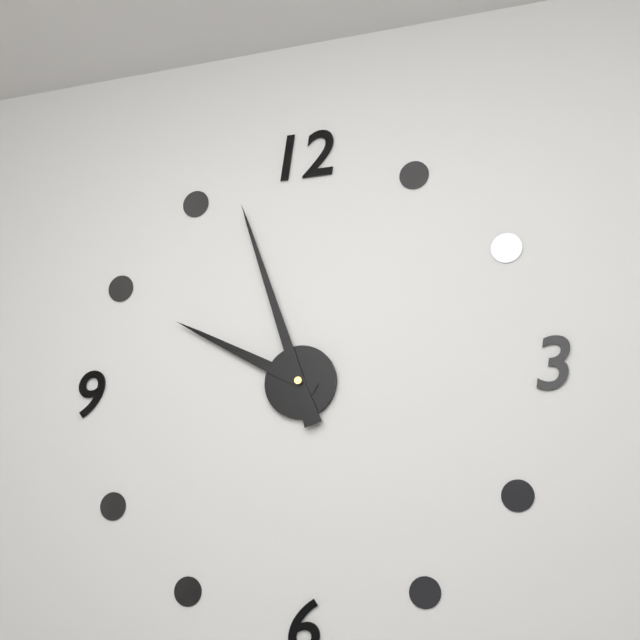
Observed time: 9:57
